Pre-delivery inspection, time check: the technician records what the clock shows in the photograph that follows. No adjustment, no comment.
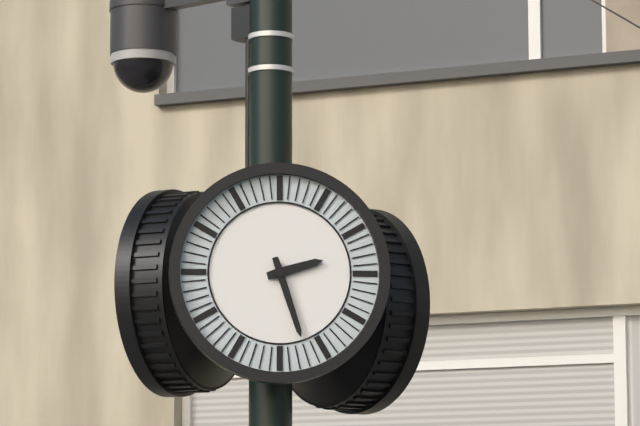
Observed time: 2:27
